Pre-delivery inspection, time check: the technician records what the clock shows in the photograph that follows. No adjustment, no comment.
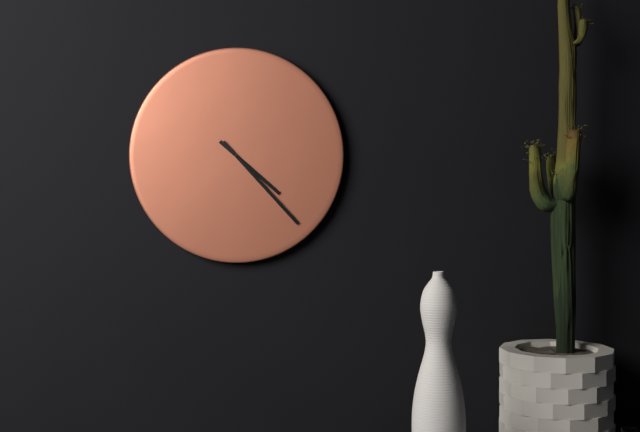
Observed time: 4:23
